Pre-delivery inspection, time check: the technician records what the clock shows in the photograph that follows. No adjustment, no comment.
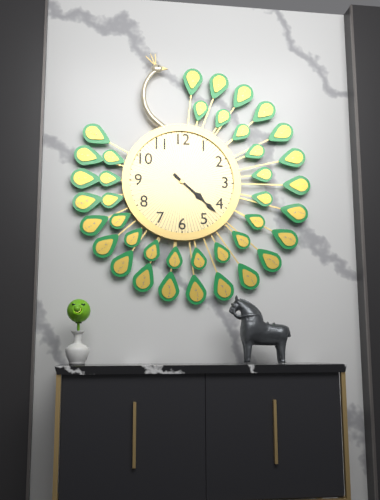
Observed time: 4:22
